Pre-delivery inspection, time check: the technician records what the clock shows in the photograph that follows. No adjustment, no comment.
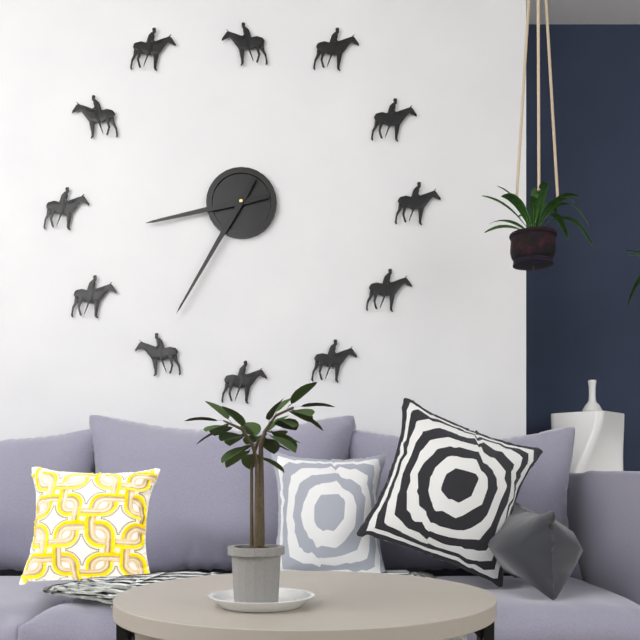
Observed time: 8:35
